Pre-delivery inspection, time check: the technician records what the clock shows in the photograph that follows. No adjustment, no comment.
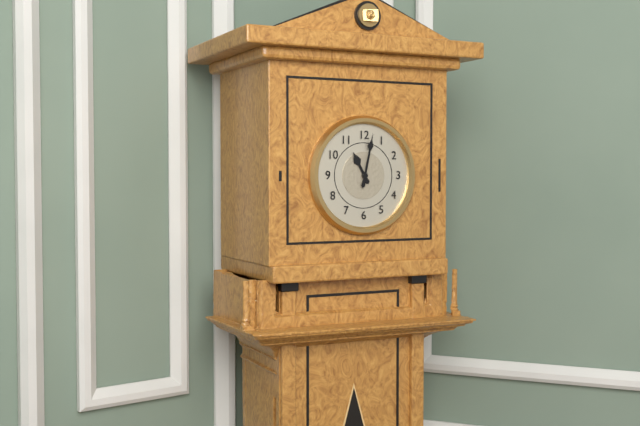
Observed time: 11:02
